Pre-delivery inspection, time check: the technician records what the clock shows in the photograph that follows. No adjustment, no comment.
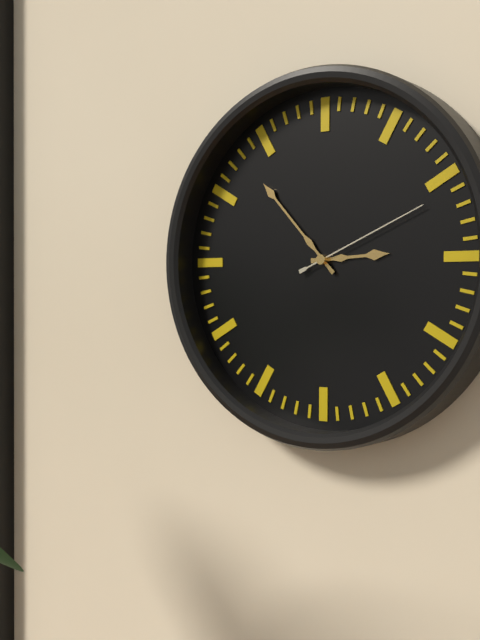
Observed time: 2:53:11
